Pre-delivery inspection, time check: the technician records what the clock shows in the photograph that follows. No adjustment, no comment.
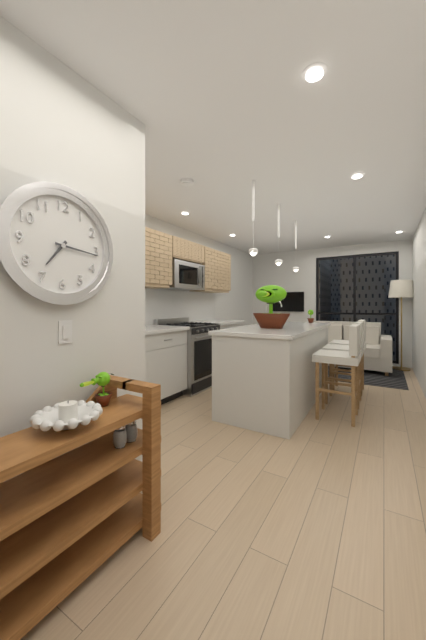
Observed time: 7:16
